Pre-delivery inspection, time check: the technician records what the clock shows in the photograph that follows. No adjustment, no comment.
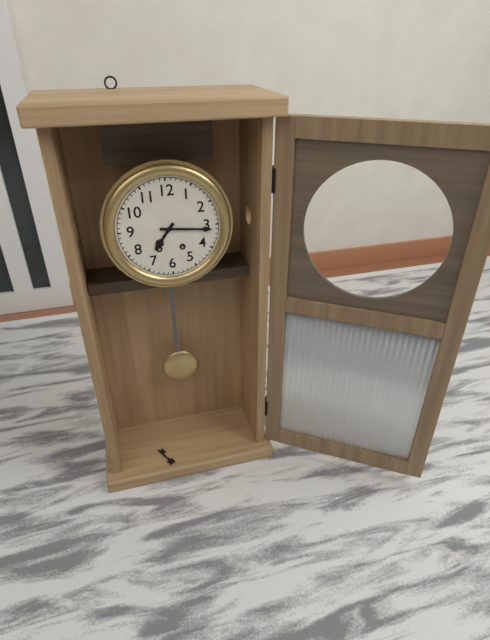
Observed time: 7:16
